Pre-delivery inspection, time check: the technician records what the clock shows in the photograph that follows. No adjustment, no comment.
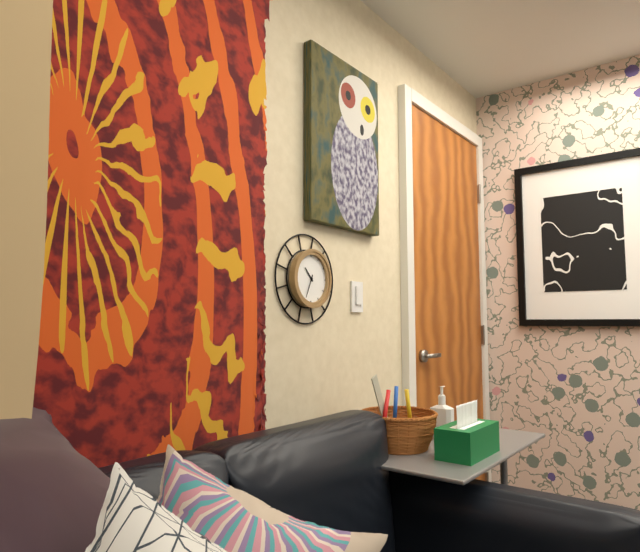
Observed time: 10:34
